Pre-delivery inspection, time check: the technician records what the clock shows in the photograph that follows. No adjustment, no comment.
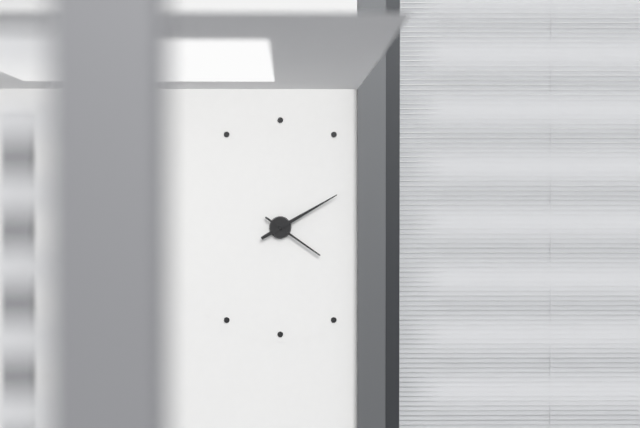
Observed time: 4:10
